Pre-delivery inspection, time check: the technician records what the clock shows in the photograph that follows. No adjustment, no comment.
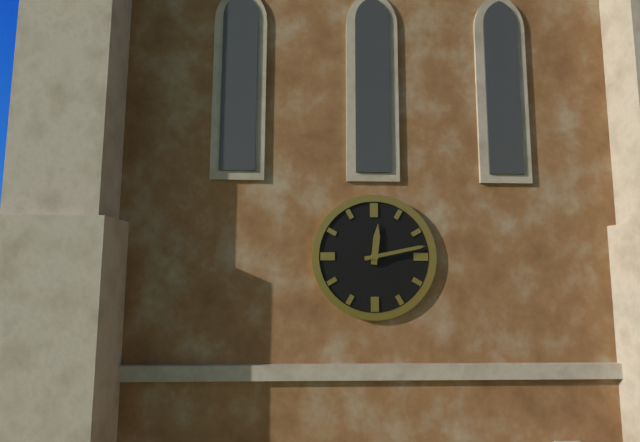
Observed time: 12:13
